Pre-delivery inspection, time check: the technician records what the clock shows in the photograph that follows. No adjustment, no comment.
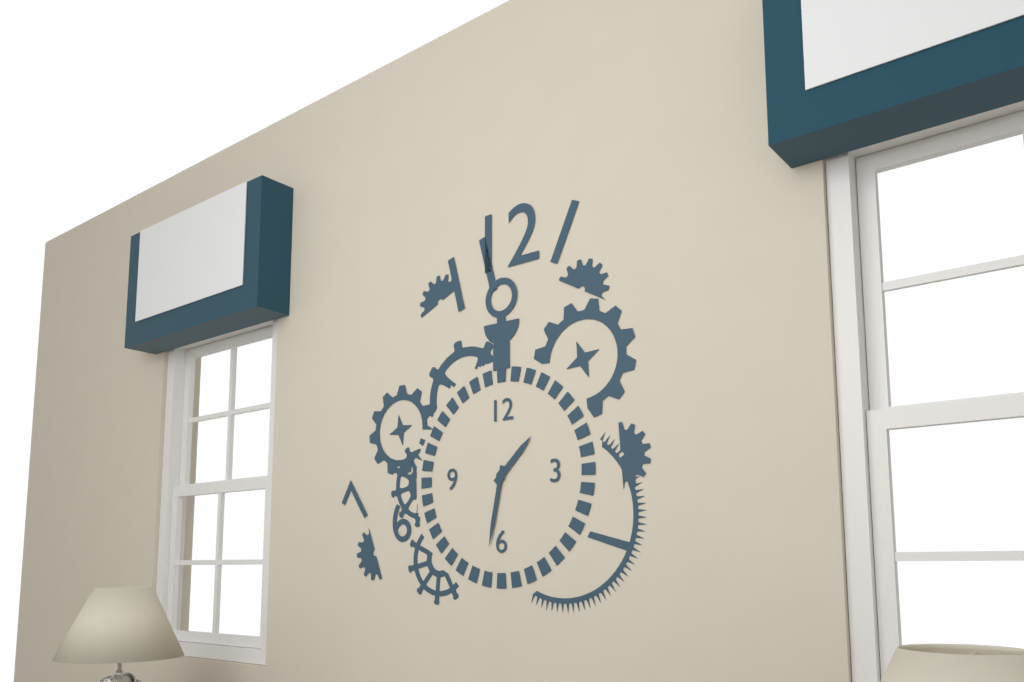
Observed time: 1:32
